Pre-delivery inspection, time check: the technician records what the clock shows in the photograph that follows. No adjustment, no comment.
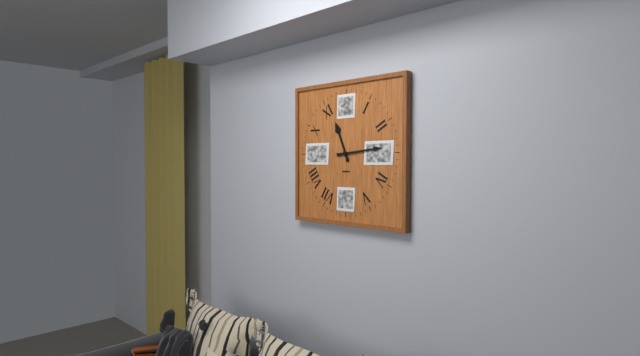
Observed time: 11:14
